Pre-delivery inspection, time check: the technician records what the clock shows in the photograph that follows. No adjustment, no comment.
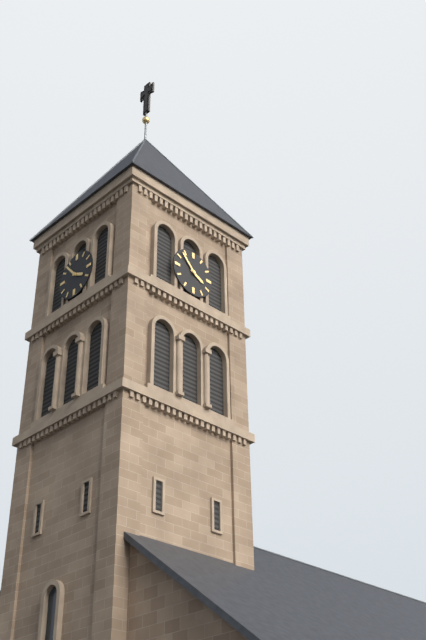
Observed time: 3:53
